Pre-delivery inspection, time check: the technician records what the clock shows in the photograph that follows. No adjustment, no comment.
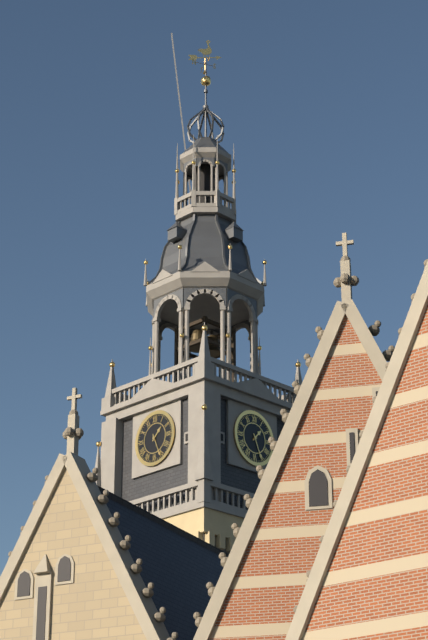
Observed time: 1:26
